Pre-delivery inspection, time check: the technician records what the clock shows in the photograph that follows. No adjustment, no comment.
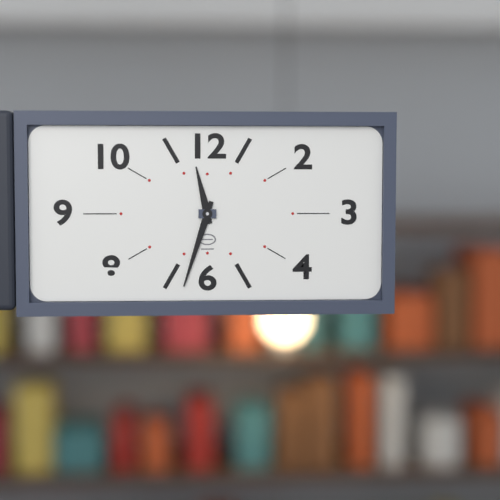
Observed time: 11:33
